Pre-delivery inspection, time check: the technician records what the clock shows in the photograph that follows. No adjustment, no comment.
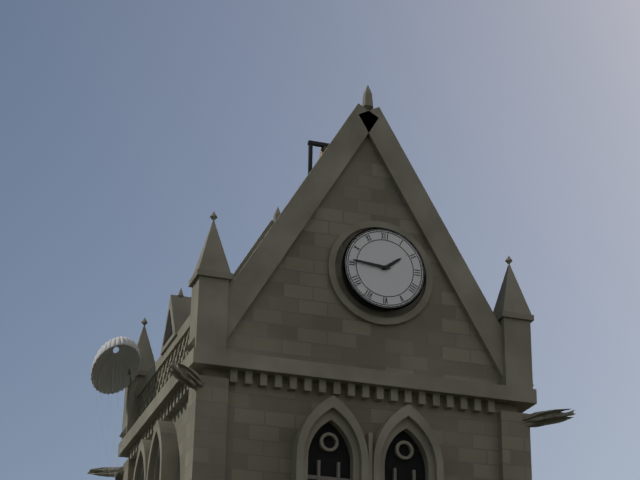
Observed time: 1:46
